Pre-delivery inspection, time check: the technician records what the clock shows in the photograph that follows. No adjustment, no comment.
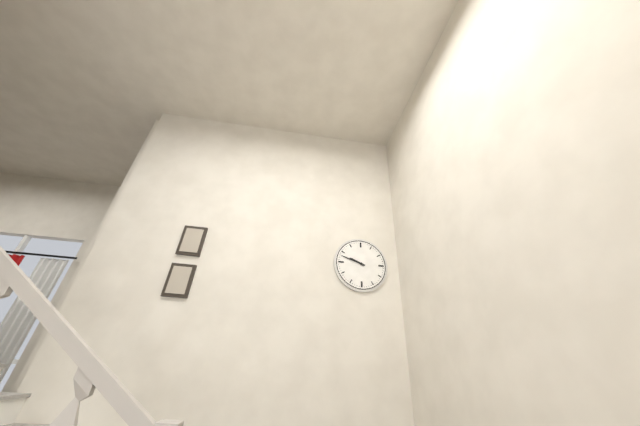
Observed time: 9:48
